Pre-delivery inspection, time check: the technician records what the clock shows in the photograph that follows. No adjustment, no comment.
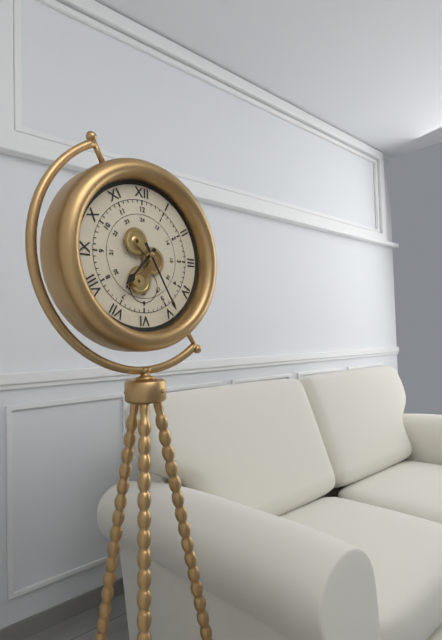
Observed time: 7:25
